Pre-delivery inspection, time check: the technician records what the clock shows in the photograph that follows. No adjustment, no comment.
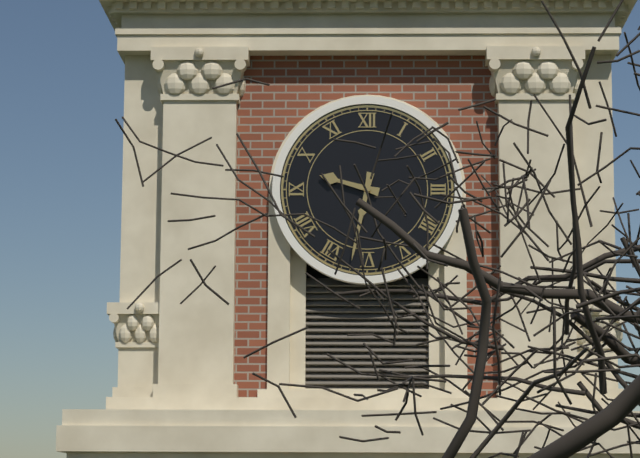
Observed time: 9:32
